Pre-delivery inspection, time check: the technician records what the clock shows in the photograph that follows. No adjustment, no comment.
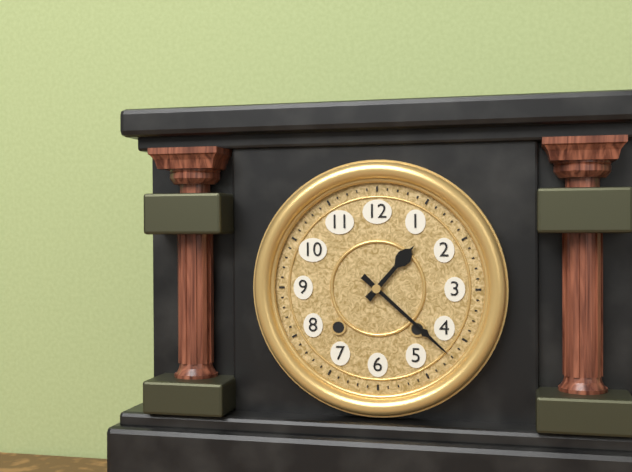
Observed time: 1:22
